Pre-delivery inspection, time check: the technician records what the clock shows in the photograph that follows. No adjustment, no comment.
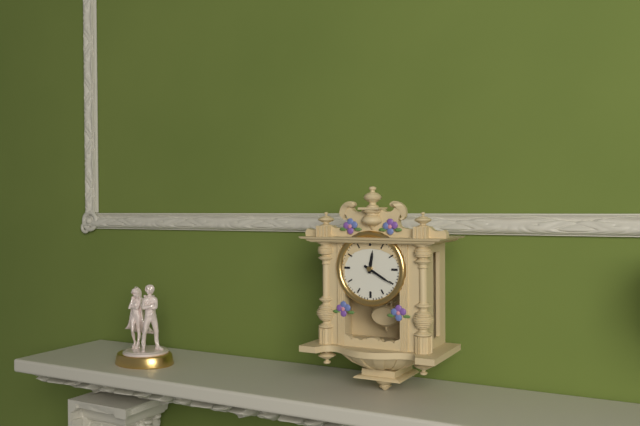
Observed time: 12:20
